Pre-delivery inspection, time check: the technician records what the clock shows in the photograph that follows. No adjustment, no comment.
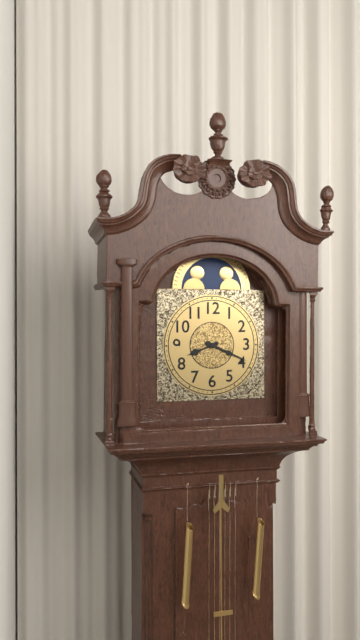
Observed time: 8:19
